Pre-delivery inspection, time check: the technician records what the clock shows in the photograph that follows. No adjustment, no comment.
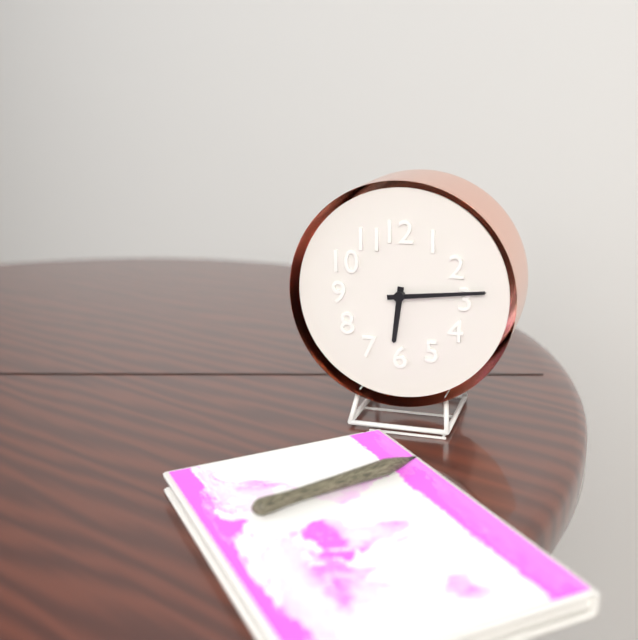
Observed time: 6:14
